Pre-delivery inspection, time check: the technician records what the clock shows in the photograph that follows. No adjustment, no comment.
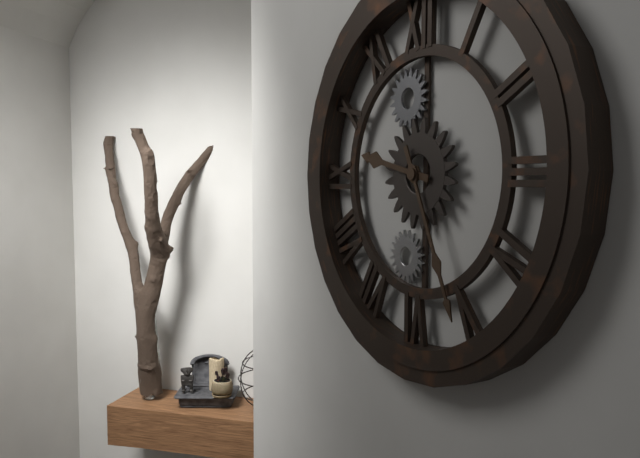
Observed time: 9:26
